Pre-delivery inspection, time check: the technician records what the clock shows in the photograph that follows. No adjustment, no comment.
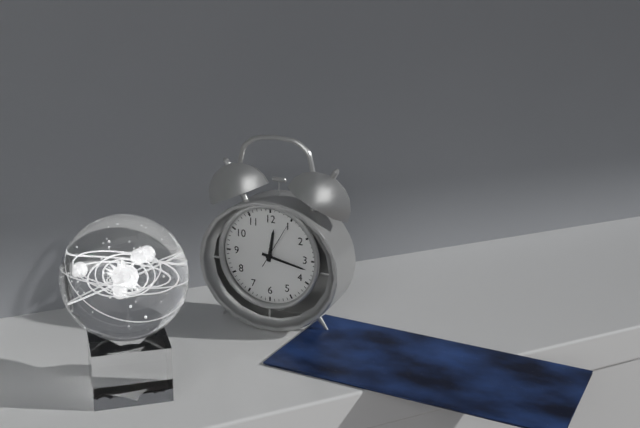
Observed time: 12:17
